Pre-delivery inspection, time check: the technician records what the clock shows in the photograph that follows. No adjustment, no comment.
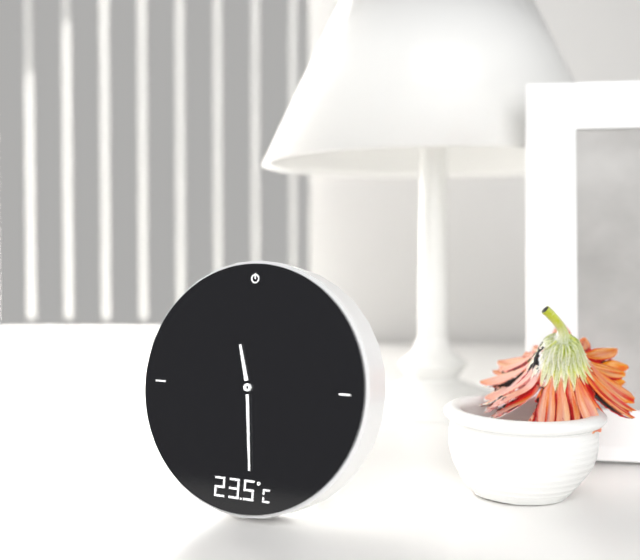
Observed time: 11:29
